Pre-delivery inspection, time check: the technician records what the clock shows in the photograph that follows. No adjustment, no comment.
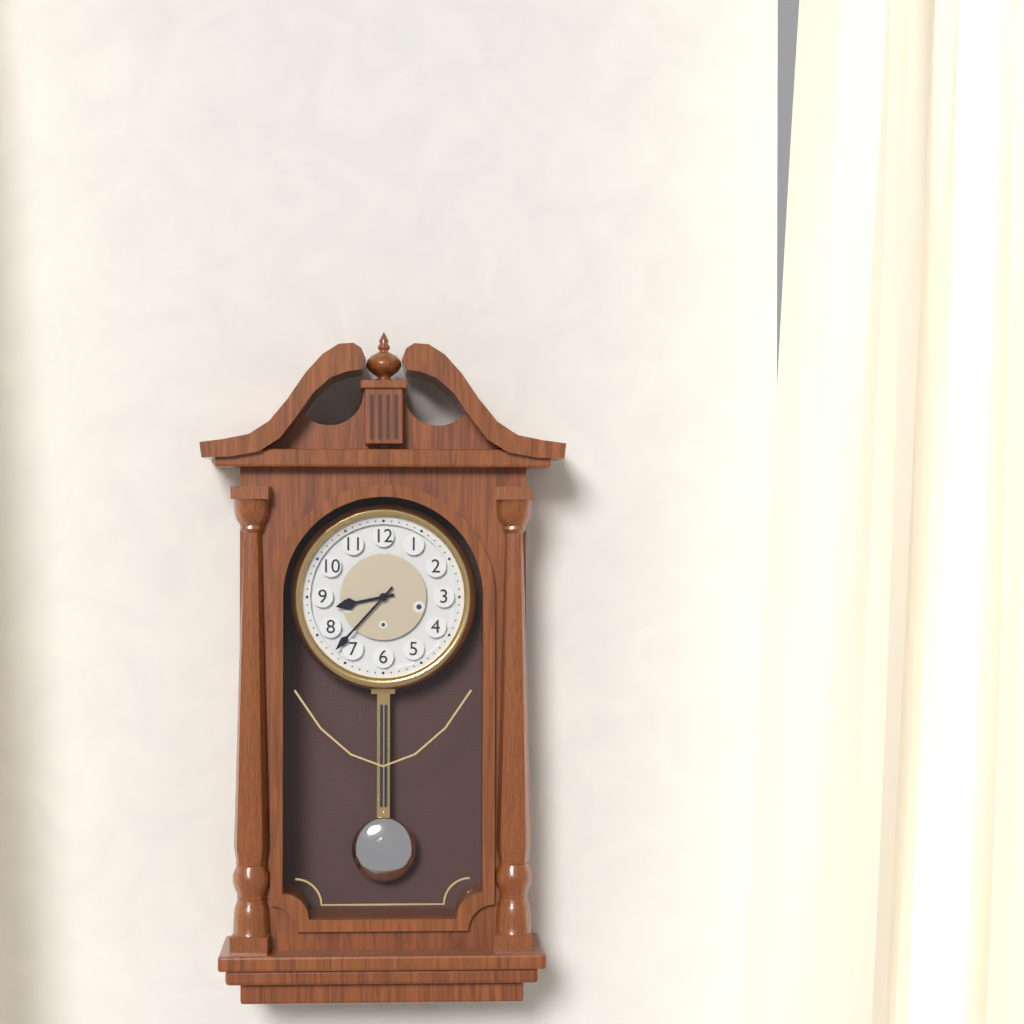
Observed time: 8:37
